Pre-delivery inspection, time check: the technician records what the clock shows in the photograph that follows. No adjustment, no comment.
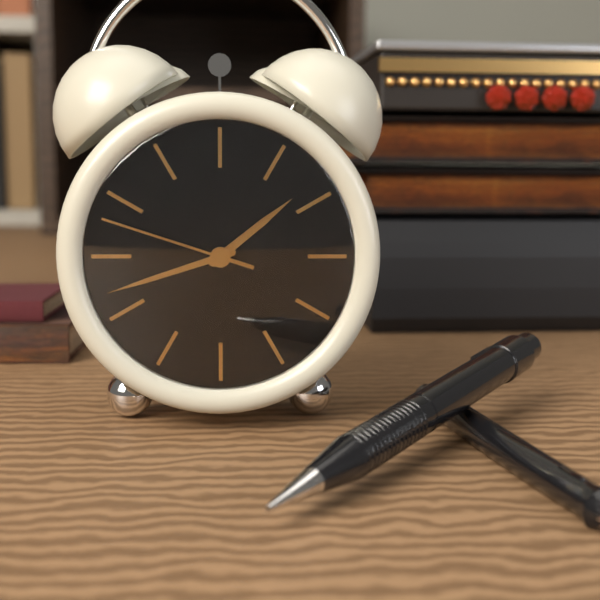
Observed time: 1:42:48
